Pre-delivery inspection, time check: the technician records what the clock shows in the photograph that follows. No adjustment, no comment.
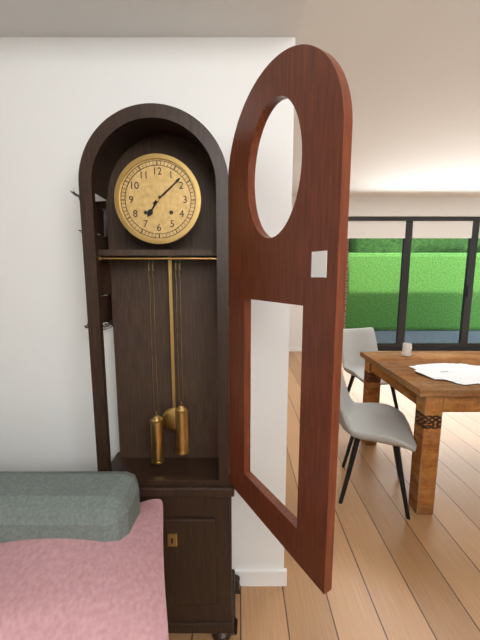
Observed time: 7:08
